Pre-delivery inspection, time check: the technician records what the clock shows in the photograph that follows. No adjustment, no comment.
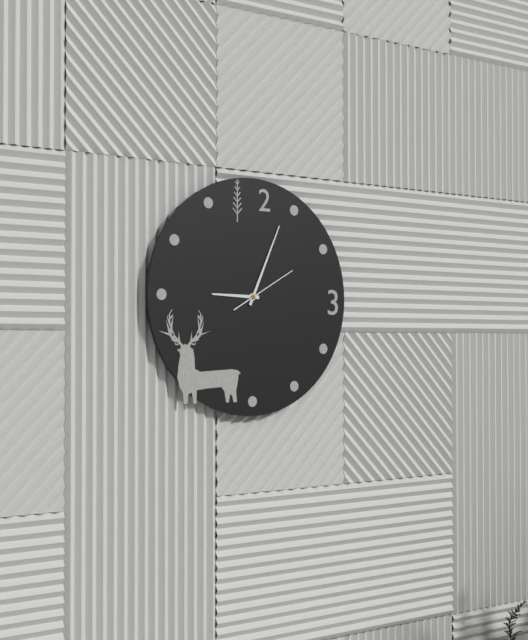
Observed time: 9:04:10
